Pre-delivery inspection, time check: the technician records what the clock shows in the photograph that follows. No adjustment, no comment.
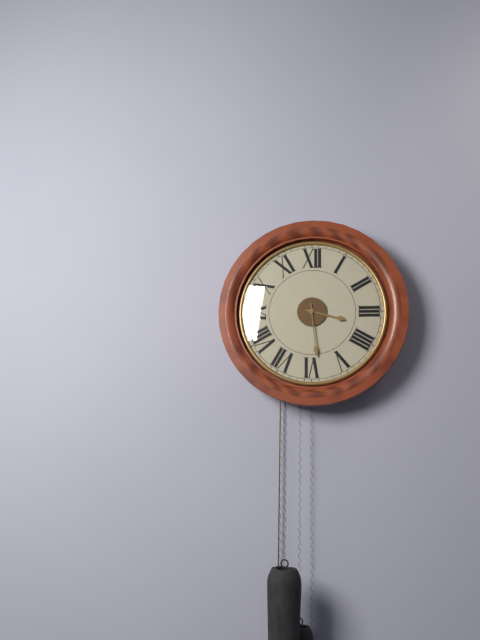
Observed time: 3:29
